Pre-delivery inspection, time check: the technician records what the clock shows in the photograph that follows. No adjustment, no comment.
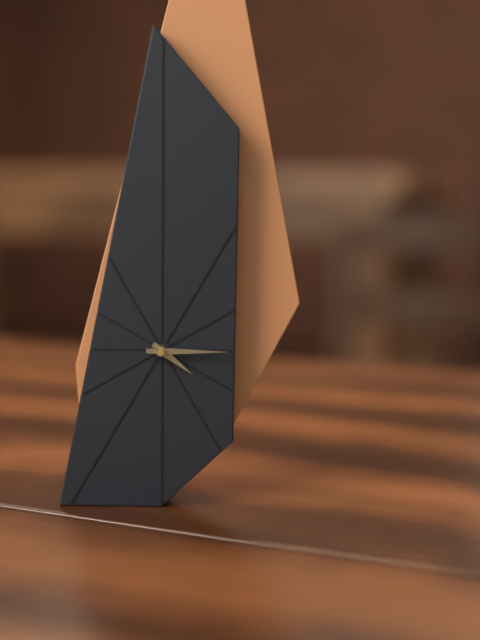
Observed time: 4:15
